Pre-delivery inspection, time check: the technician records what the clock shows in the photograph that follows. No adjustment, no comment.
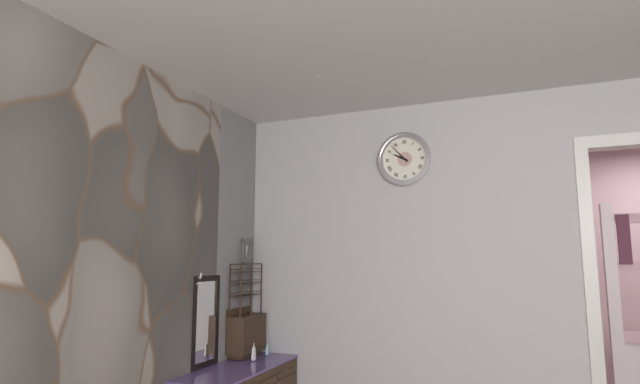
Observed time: 9:53
